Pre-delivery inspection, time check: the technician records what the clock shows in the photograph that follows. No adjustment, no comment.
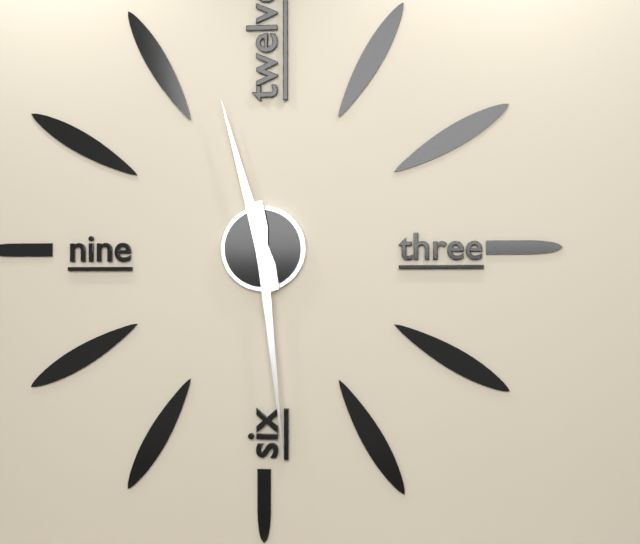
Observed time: 11:29
